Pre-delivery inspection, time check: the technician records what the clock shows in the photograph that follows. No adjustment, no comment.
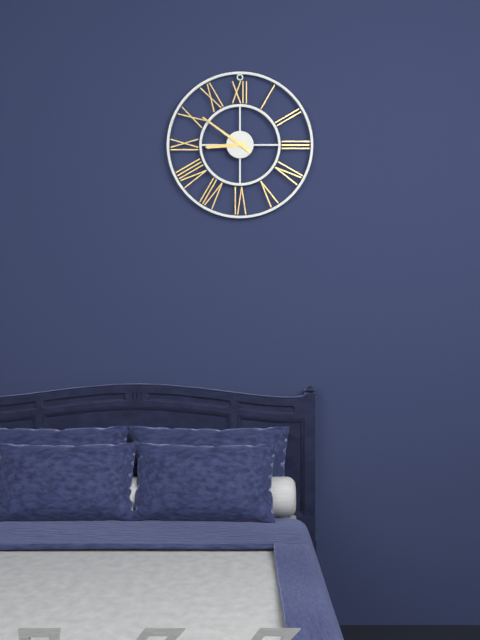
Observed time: 8:51
